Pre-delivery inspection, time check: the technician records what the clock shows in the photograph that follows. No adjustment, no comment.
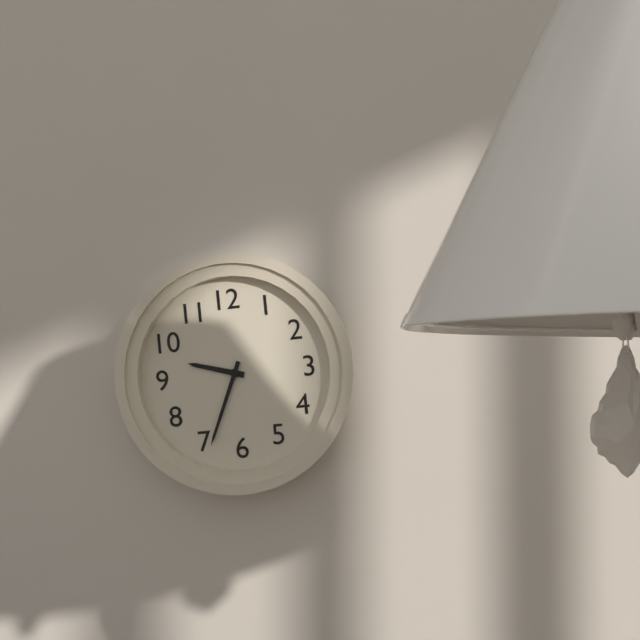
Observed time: 9:34
